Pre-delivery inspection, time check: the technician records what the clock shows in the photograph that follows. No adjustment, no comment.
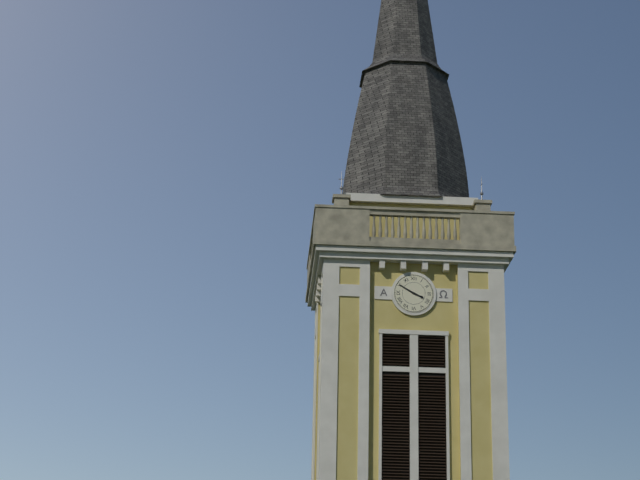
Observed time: 3:50
